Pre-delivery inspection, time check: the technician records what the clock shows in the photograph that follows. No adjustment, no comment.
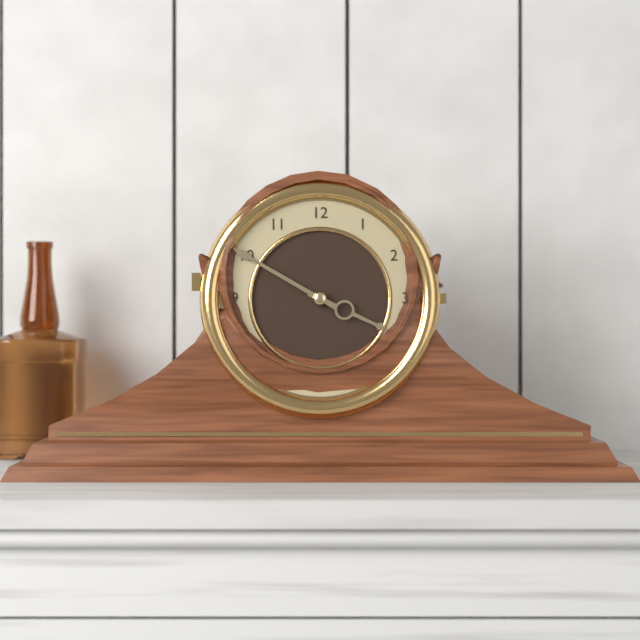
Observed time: 3:50
